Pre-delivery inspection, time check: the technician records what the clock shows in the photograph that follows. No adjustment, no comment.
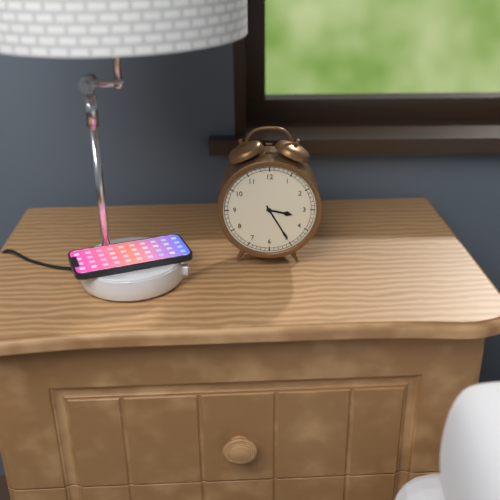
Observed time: 3:25
